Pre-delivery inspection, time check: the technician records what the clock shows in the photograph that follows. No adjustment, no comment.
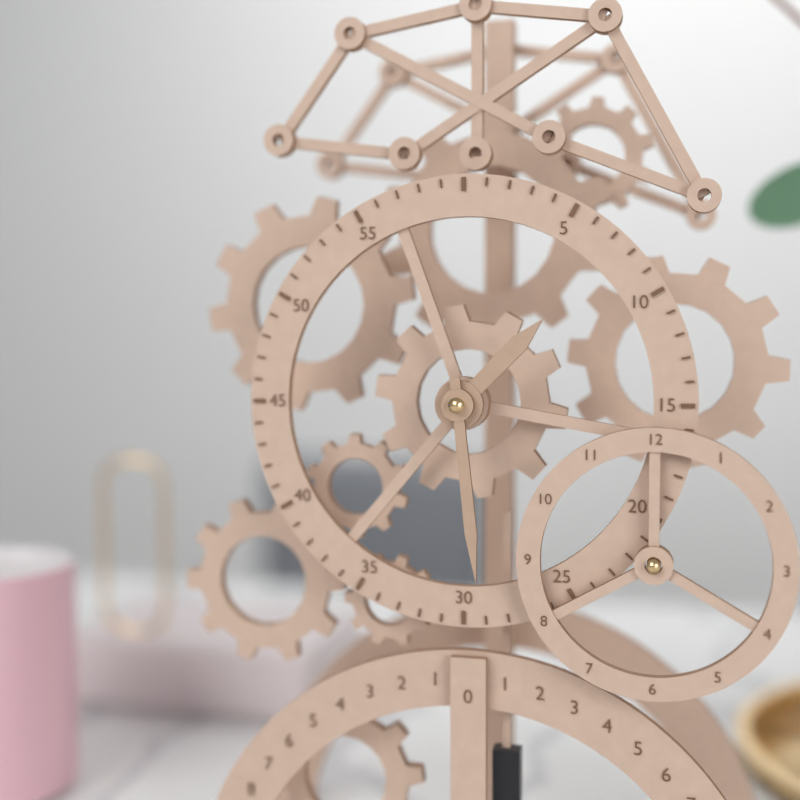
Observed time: 1:29
